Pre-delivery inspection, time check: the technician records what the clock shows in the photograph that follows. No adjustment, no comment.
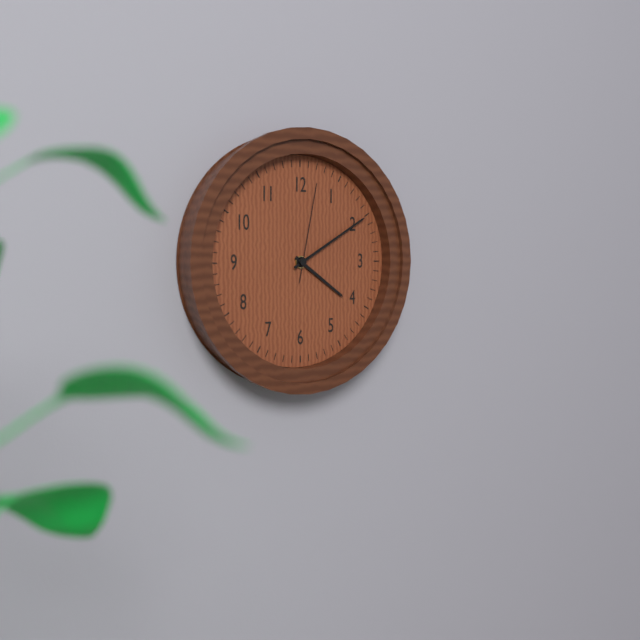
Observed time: 4:10:02
